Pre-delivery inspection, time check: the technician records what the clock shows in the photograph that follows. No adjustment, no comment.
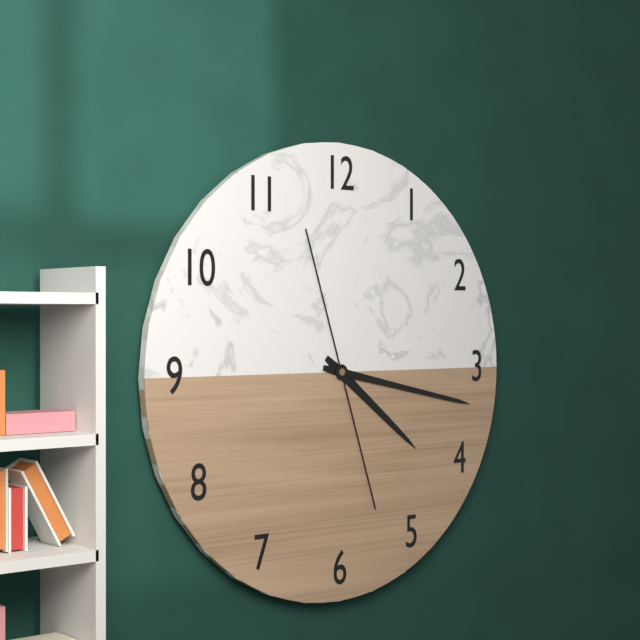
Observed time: 4:17
